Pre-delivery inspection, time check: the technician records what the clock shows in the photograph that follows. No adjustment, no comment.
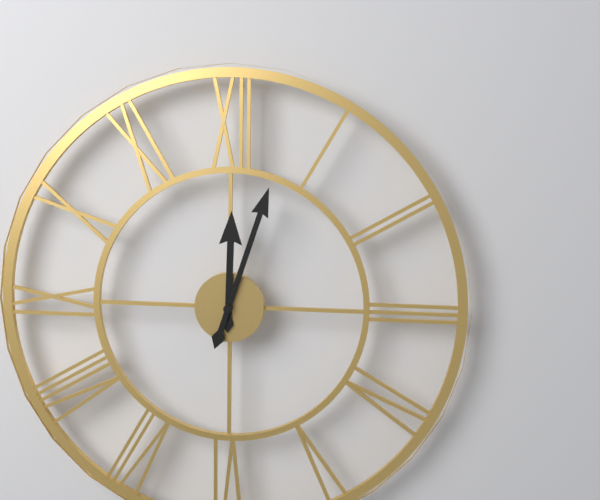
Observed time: 12:03
